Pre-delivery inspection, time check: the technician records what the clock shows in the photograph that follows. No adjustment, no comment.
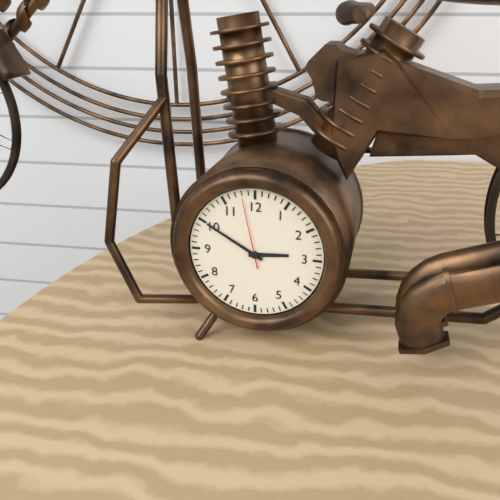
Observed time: 2:50:58
